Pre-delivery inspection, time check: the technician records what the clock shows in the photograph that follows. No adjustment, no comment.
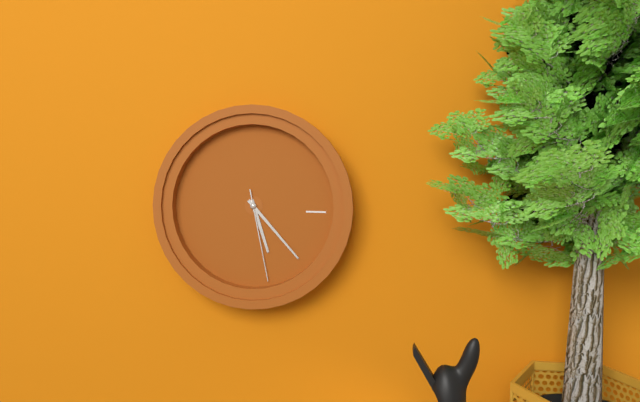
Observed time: 5:23:28
